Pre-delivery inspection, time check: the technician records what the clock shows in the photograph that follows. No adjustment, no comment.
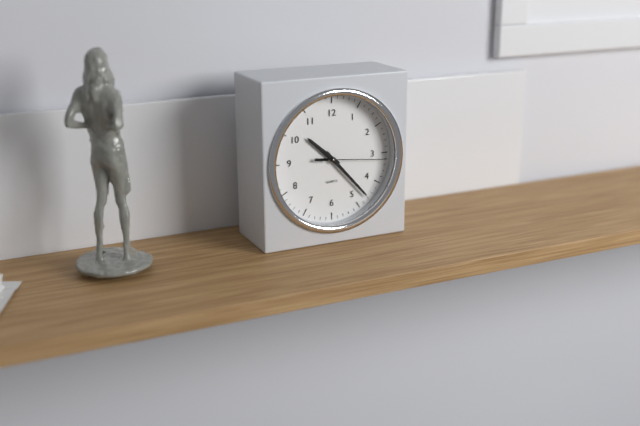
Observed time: 10:23:16
